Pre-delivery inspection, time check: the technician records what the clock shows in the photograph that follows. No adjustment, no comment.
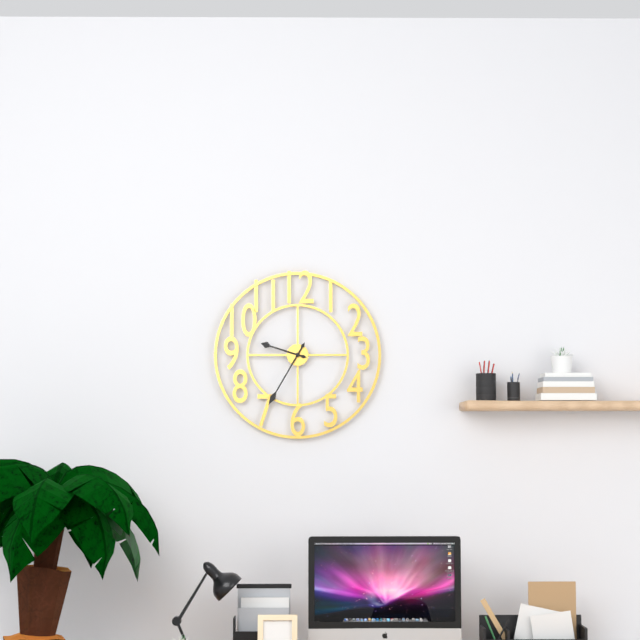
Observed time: 9:35
